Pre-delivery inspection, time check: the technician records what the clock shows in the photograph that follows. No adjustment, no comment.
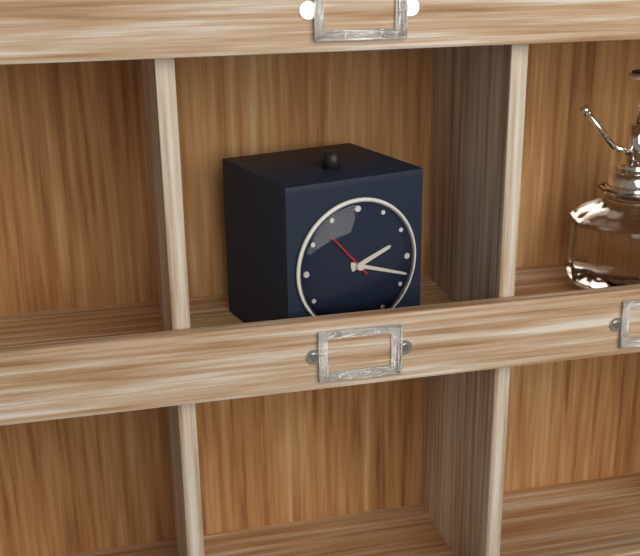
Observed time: 2:18:53
